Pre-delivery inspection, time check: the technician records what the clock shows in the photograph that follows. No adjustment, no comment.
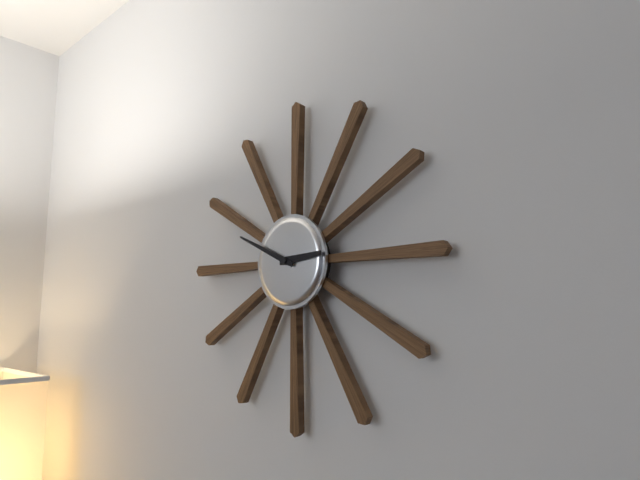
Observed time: 2:49
